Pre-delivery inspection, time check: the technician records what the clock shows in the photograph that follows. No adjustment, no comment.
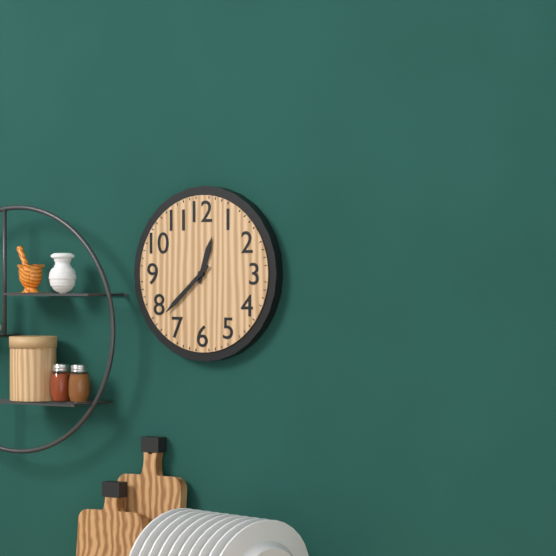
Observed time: 12:38
